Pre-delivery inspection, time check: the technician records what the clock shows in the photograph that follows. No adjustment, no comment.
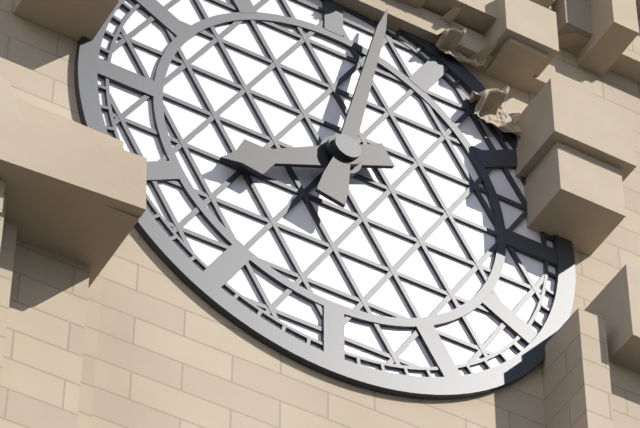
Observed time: 8:02
